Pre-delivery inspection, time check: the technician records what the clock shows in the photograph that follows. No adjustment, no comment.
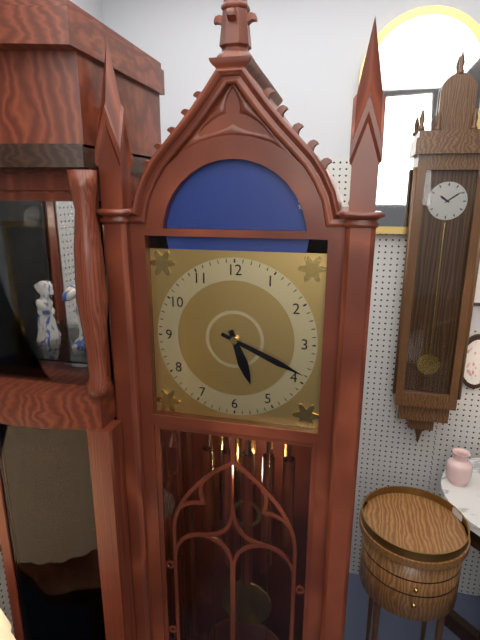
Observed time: 5:19
